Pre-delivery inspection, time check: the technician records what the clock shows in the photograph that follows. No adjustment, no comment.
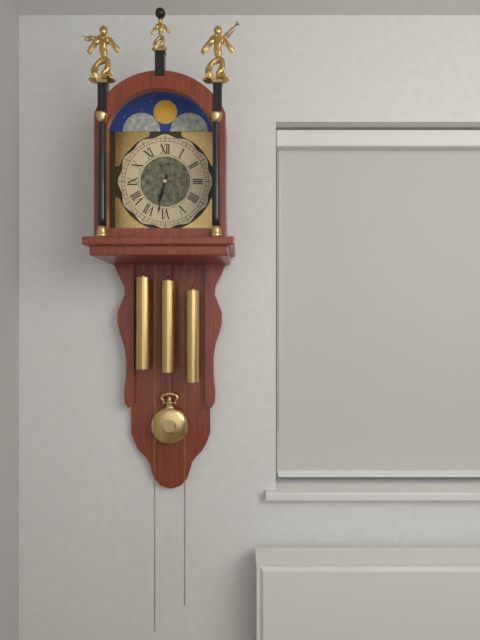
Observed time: 6:32
